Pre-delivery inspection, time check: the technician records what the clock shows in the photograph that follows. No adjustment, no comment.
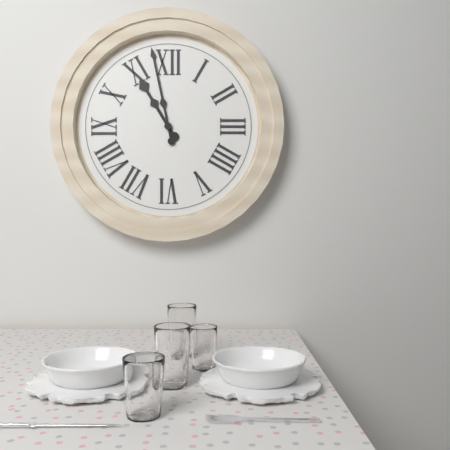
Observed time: 10:58
